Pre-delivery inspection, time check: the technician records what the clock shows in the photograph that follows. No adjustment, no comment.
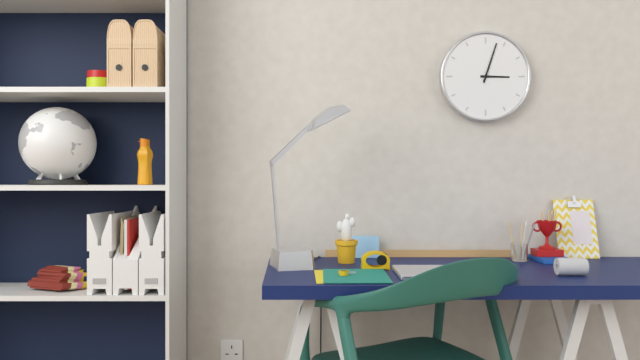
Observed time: 3:03
